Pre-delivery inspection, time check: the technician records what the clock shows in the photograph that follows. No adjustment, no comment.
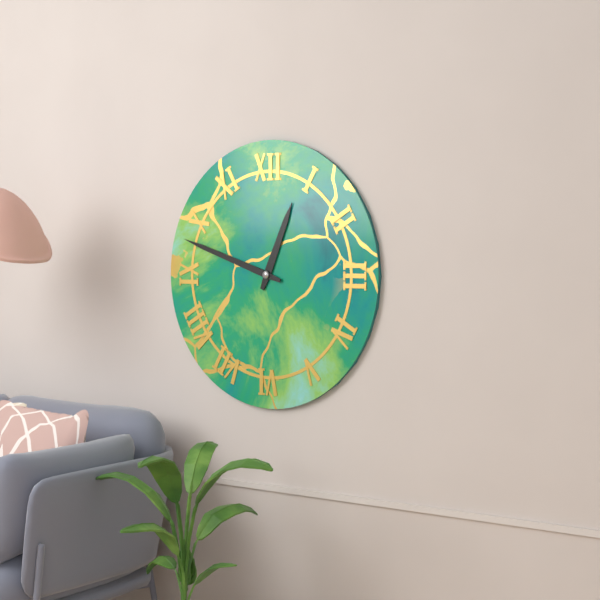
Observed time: 12:48
